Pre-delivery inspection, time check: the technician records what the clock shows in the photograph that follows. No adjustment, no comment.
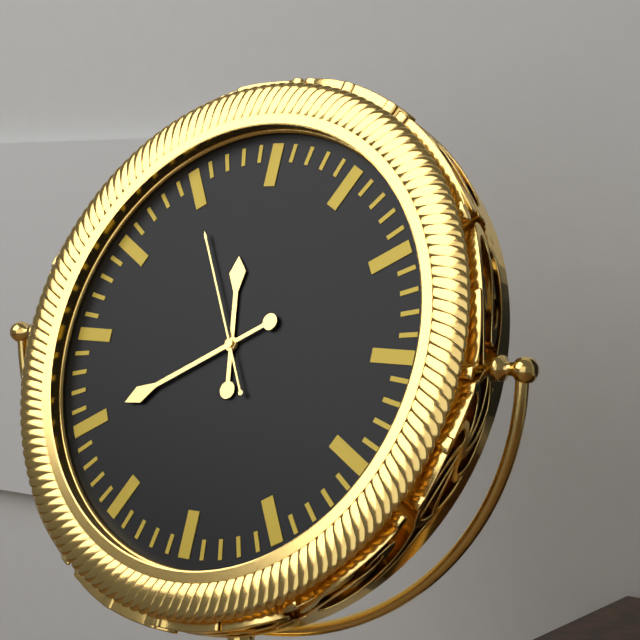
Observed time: 11:40:55
